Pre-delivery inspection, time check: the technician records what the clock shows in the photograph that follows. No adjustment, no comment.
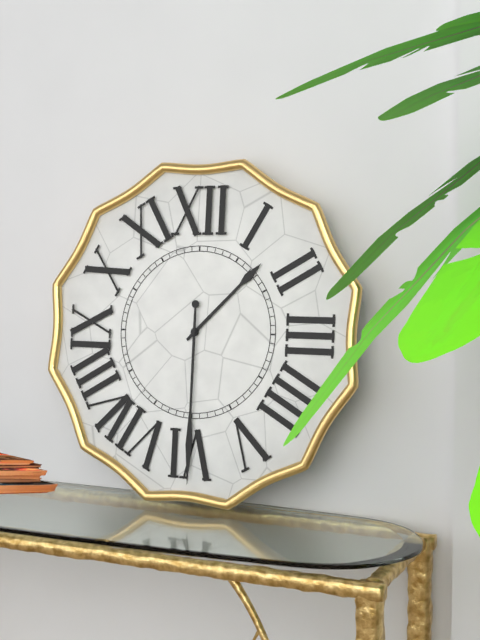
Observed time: 1:30
